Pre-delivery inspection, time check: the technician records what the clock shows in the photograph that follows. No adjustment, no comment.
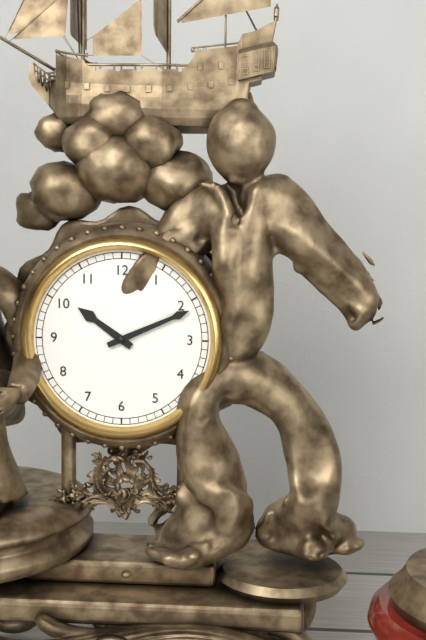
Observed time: 10:11
